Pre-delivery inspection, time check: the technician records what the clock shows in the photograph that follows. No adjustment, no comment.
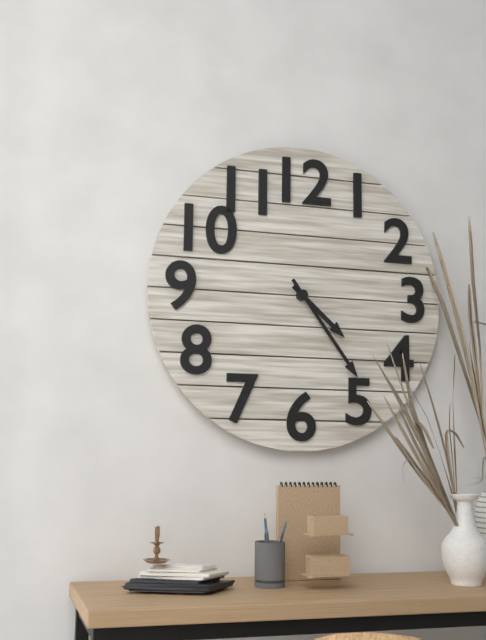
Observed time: 4:24
